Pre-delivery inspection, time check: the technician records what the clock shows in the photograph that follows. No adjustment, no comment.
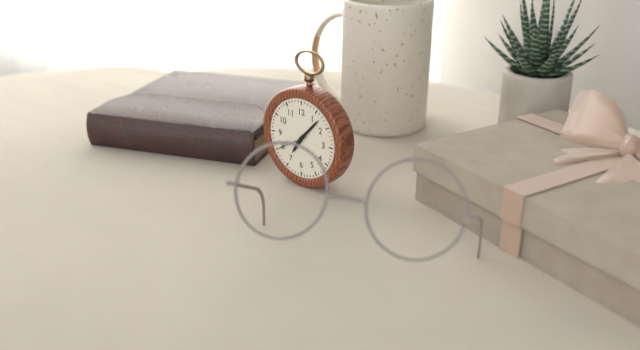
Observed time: 7:07
